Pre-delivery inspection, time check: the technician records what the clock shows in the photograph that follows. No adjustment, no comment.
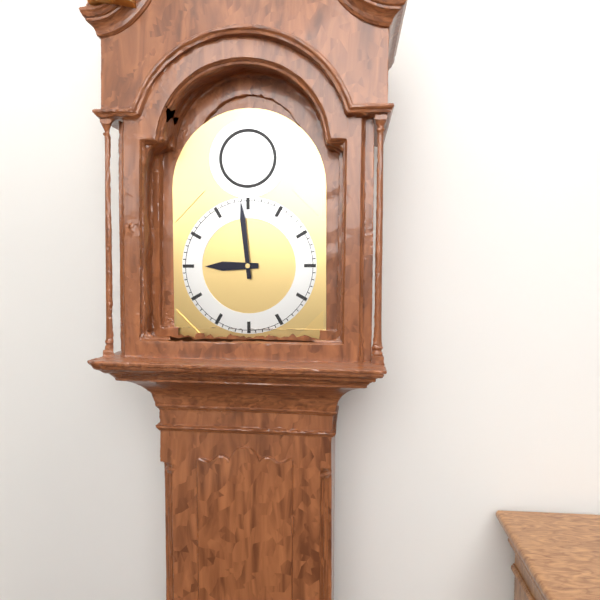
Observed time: 8:59
